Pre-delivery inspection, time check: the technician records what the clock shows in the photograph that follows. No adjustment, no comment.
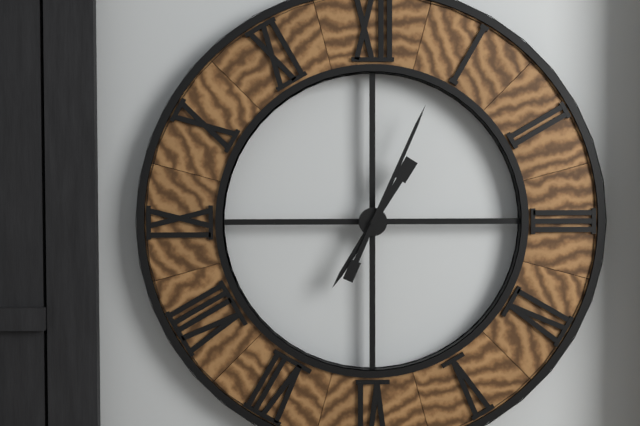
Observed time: 7:04
